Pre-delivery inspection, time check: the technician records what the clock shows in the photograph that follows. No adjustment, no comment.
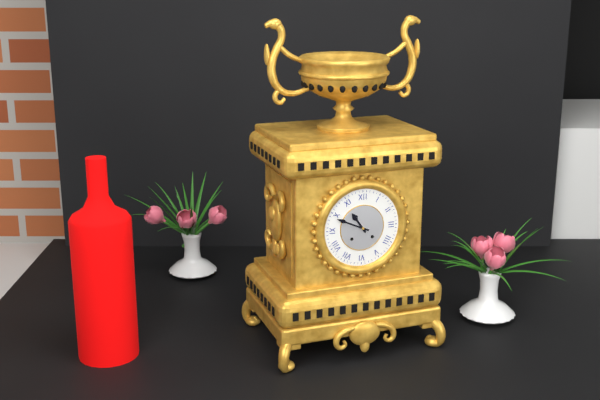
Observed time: 10:49
